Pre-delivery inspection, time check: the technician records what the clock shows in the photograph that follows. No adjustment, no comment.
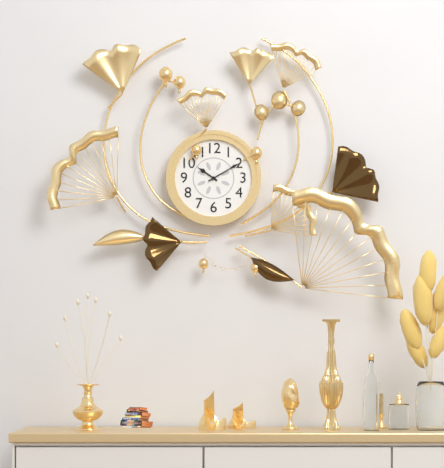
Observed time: 10:10
